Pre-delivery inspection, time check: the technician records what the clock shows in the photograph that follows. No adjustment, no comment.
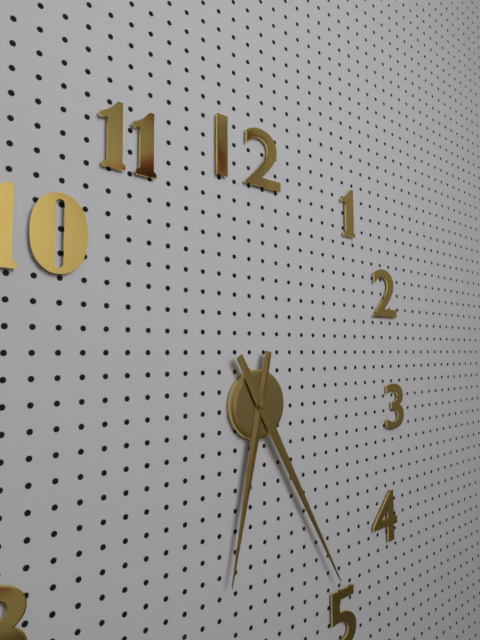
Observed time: 6:25
